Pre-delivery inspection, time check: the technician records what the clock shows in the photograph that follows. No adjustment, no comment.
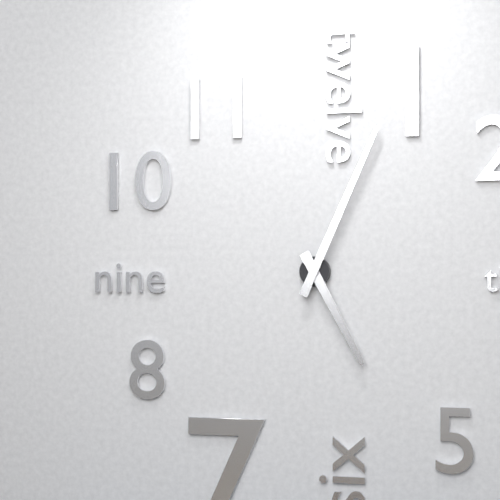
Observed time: 5:04
